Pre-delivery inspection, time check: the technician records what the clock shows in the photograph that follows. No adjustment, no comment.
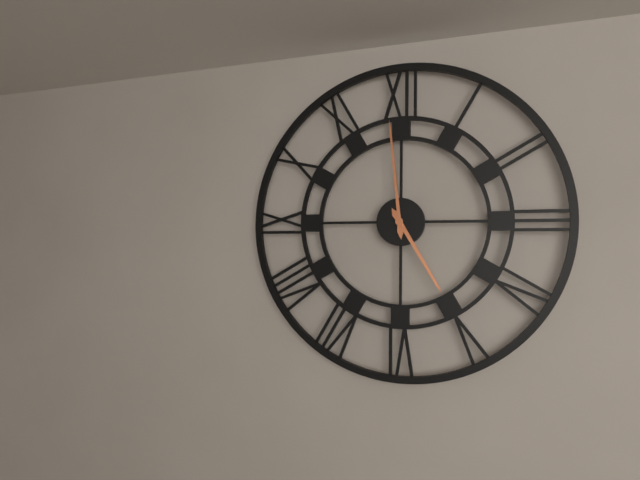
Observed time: 4:59
